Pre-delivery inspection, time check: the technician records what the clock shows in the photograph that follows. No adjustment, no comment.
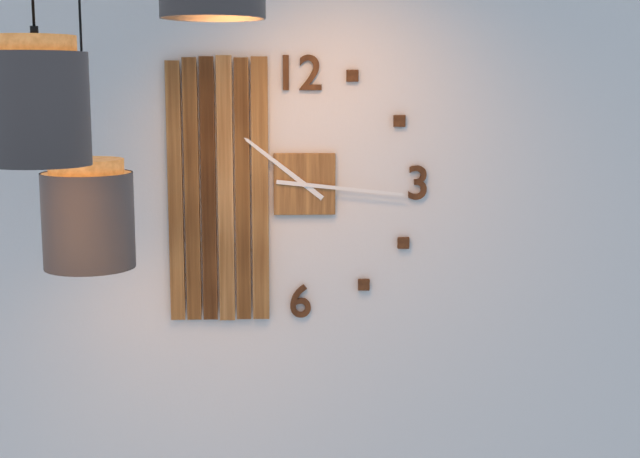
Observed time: 10:16
